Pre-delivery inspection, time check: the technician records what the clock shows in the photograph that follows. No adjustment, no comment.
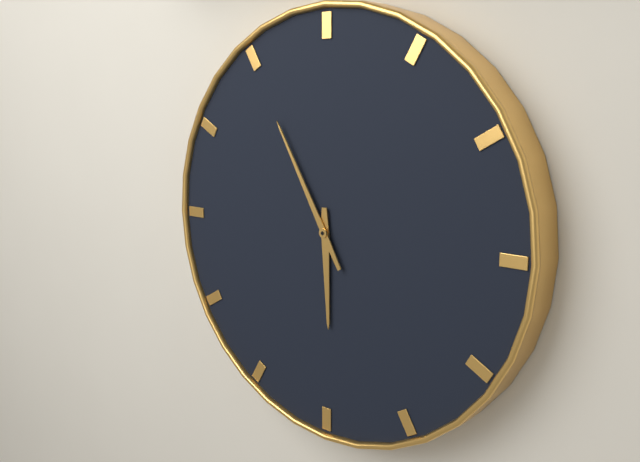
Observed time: 5:55
